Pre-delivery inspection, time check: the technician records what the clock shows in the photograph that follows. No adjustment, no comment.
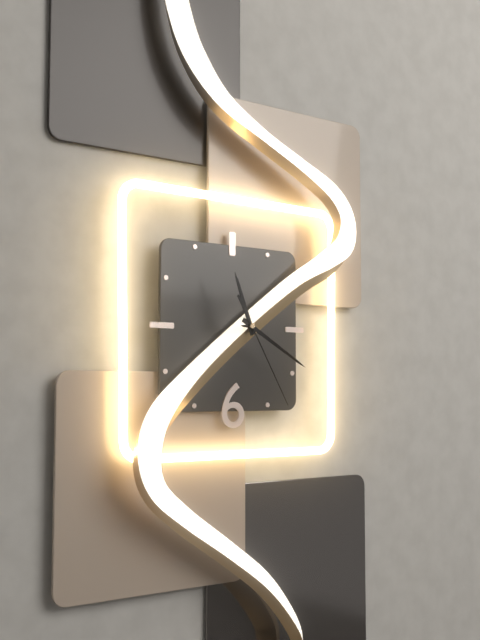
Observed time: 11:20:25
